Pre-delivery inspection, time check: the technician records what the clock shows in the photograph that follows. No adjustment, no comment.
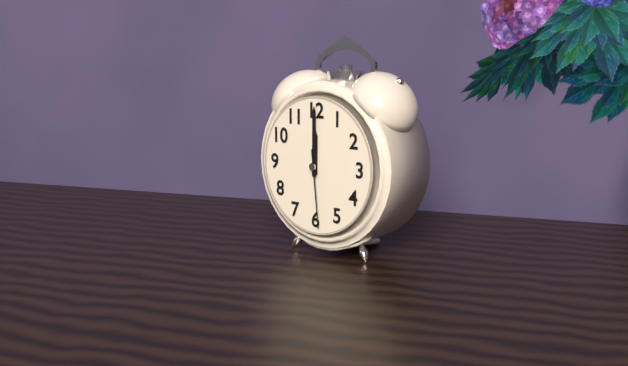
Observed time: 12:00:29
